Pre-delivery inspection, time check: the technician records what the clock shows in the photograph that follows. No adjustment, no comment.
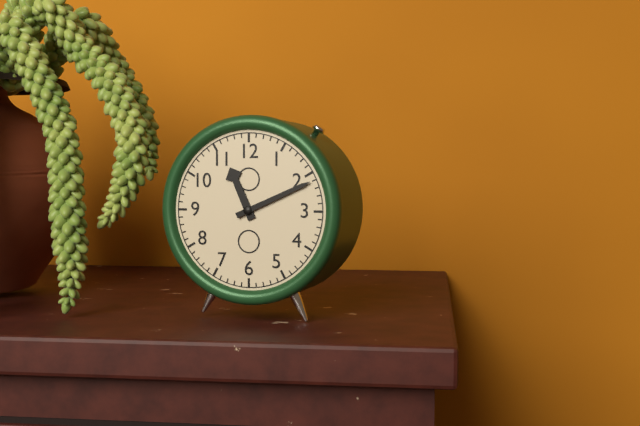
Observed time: 11:11
